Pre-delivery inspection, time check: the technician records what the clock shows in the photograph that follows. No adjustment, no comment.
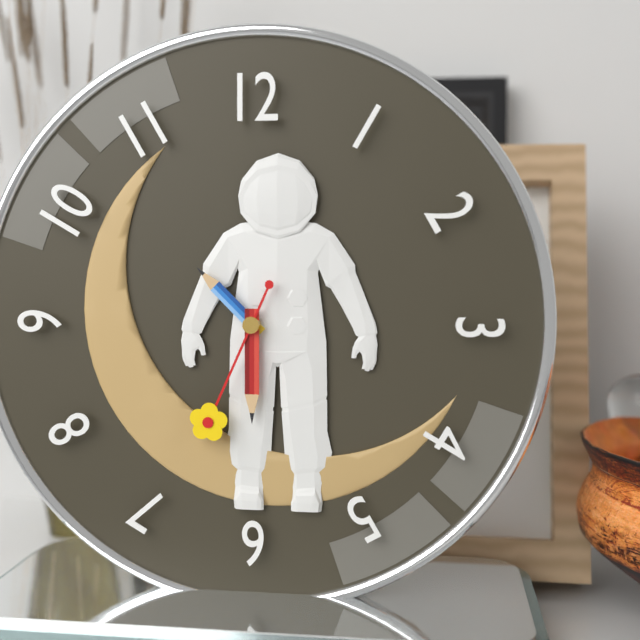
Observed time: 10:30:34
